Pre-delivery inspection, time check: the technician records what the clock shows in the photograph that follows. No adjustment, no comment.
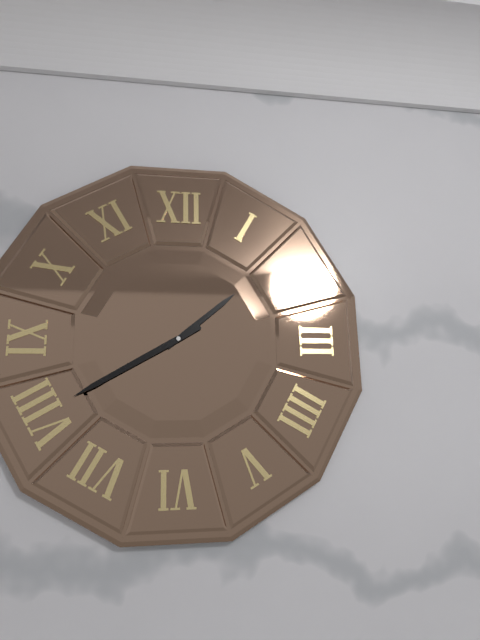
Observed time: 1:40
